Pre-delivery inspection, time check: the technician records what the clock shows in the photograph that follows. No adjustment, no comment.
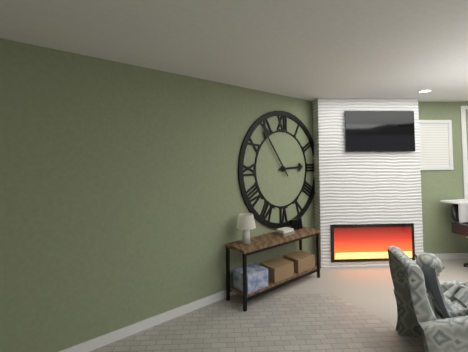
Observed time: 2:54
